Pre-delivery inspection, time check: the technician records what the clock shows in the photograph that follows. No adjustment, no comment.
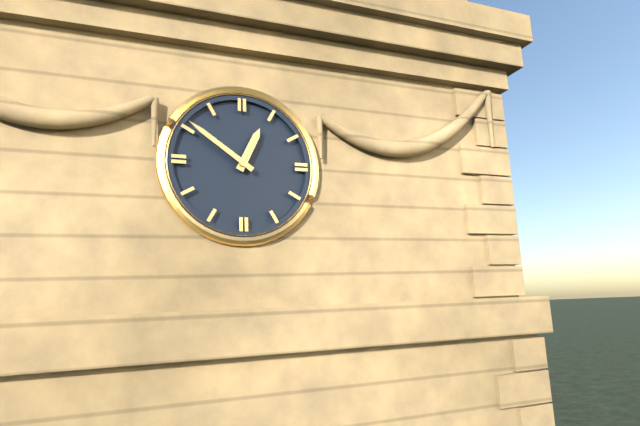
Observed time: 12:51
